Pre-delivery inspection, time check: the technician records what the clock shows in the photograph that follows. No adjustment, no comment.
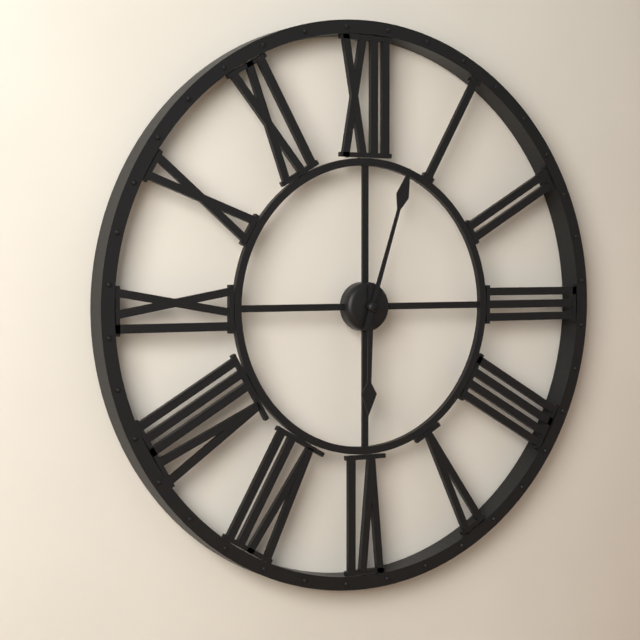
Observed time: 6:03
